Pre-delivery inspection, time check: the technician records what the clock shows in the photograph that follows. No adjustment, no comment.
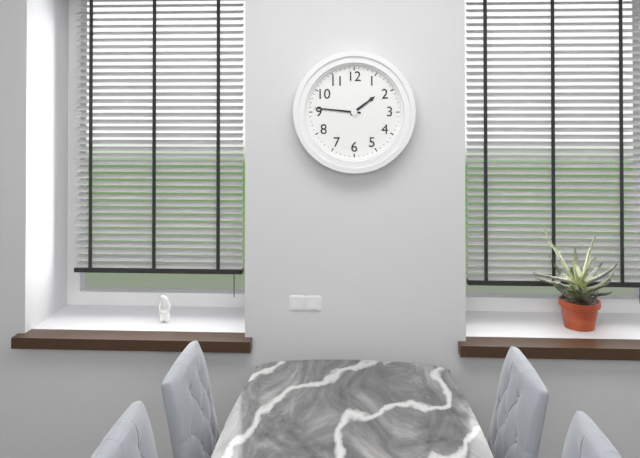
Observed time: 1:46
